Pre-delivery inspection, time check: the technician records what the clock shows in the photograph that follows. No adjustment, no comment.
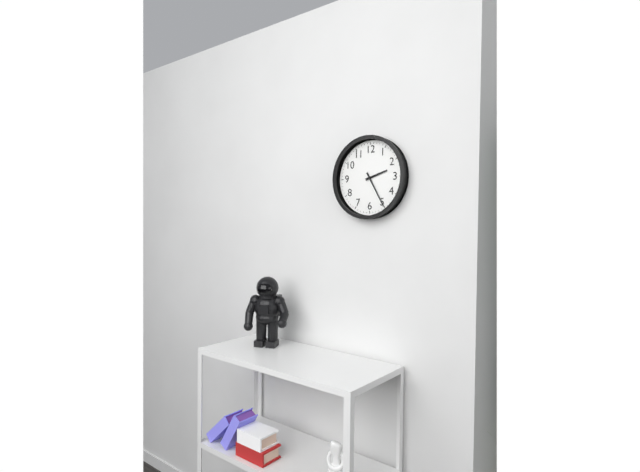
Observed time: 2:25
